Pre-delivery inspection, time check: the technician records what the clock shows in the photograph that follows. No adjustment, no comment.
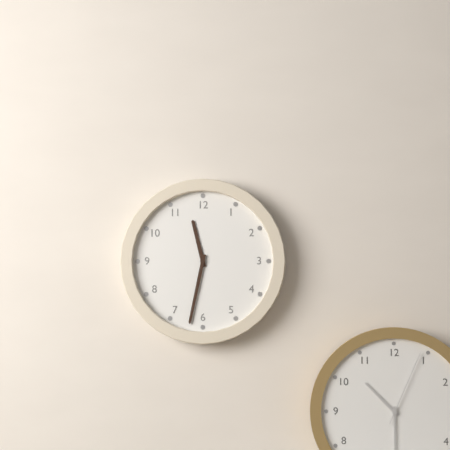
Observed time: 11:32
